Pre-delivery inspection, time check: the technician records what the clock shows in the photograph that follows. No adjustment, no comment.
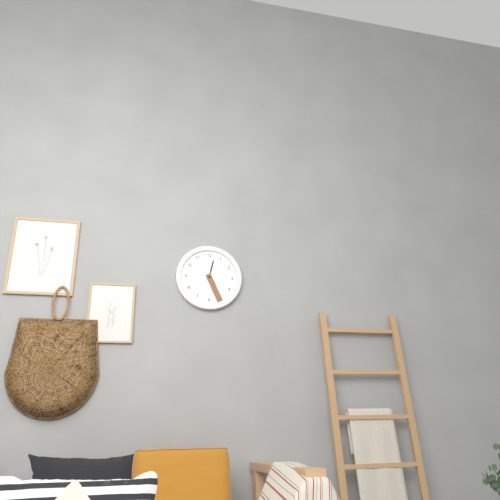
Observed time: 12:26
